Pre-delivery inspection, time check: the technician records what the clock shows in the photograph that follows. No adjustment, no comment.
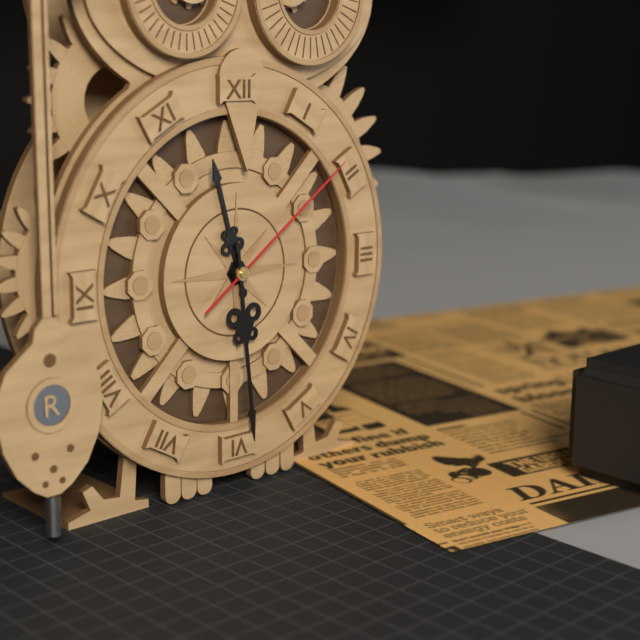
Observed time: 11:29:09
